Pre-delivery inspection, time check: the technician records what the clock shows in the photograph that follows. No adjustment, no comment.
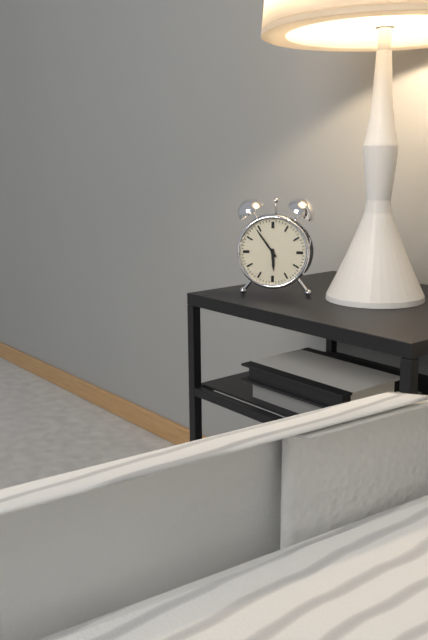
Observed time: 5:54
